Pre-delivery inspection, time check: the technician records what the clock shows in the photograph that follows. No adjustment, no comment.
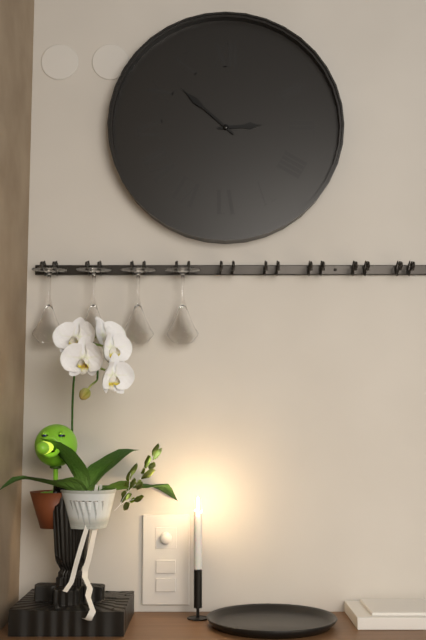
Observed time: 2:52
